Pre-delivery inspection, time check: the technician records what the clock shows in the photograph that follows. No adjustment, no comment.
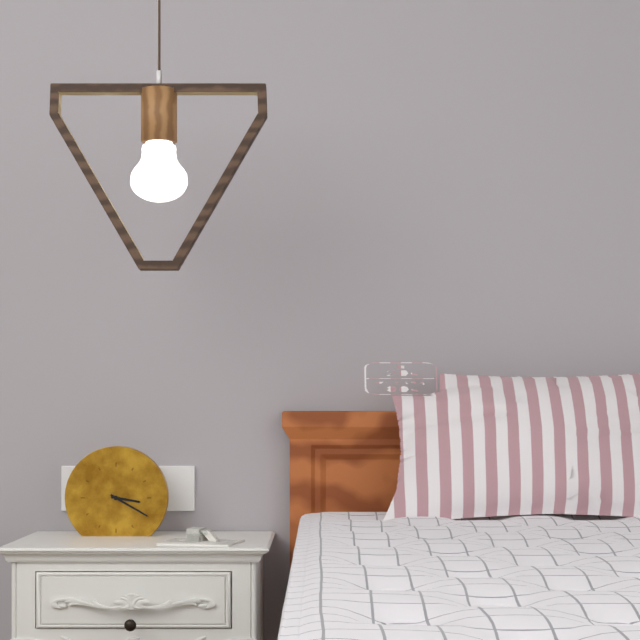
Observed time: 3:20
